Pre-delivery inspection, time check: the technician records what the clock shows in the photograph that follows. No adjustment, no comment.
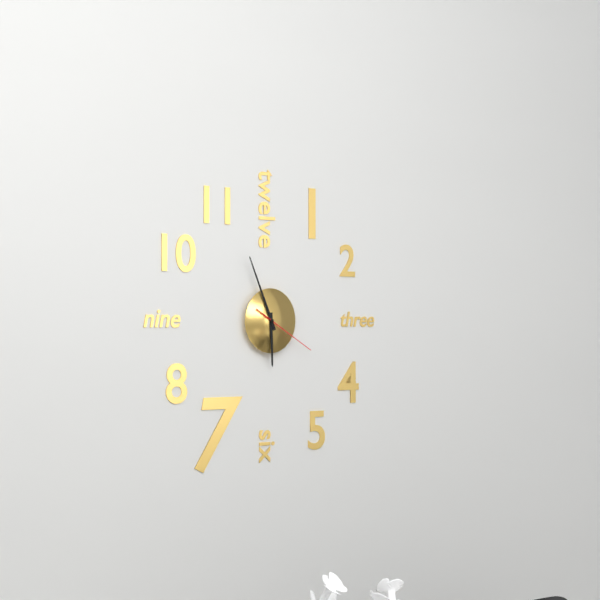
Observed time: 5:56:20
